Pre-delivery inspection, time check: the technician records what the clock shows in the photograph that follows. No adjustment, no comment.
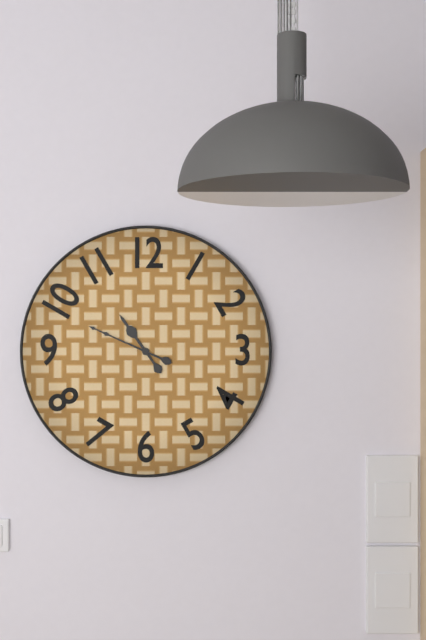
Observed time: 10:49
